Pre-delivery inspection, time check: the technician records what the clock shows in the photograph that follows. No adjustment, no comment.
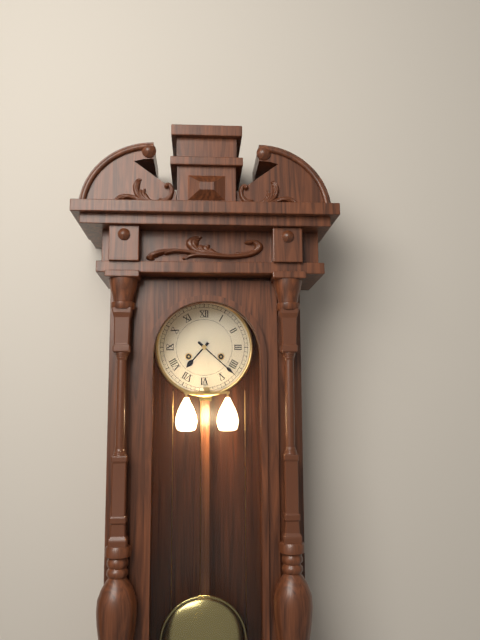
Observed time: 7:22
